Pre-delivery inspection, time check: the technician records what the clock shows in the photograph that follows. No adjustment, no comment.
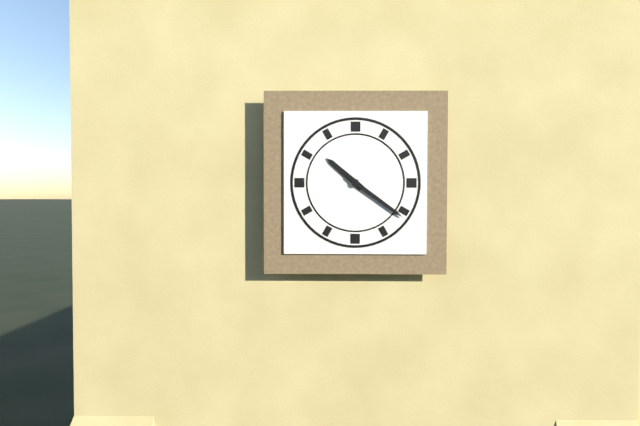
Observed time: 10:21
